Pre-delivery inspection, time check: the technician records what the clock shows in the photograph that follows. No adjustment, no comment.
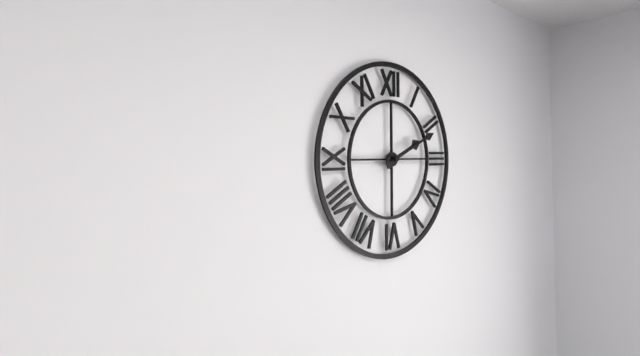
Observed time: 2:11
